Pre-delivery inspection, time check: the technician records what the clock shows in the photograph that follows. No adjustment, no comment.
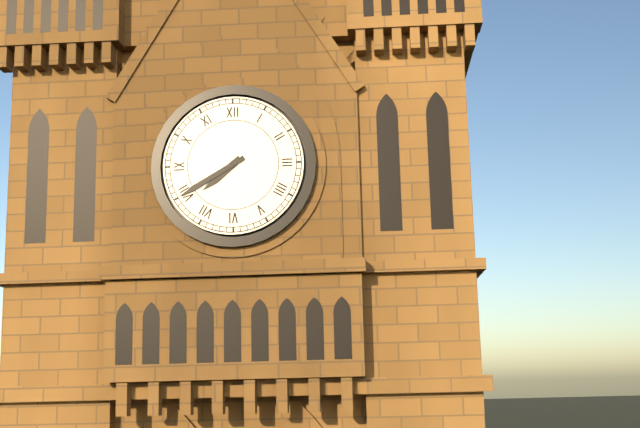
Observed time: 7:40
